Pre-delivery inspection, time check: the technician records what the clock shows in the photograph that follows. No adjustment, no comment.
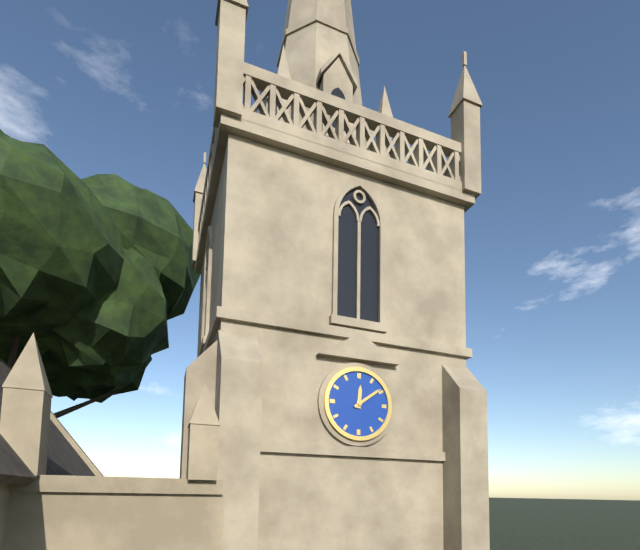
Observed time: 12:09
